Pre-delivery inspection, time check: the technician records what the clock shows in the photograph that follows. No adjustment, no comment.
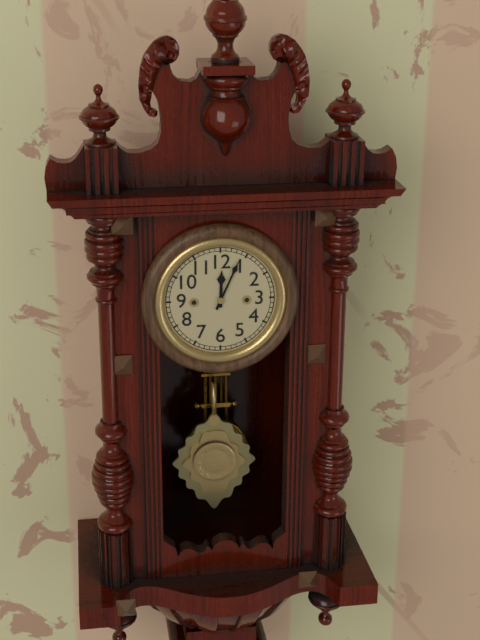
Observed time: 12:04
